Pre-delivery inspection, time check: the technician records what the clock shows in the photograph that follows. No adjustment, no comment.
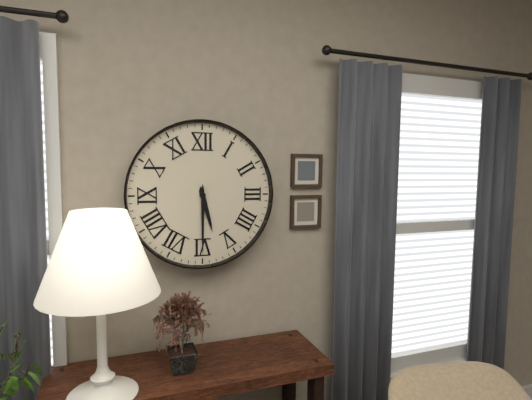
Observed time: 5:30
